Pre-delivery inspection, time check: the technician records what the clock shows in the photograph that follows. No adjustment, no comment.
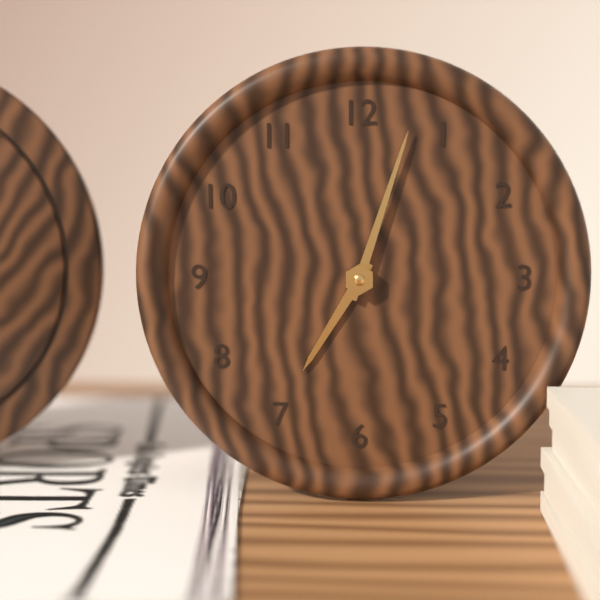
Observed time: 7:03
